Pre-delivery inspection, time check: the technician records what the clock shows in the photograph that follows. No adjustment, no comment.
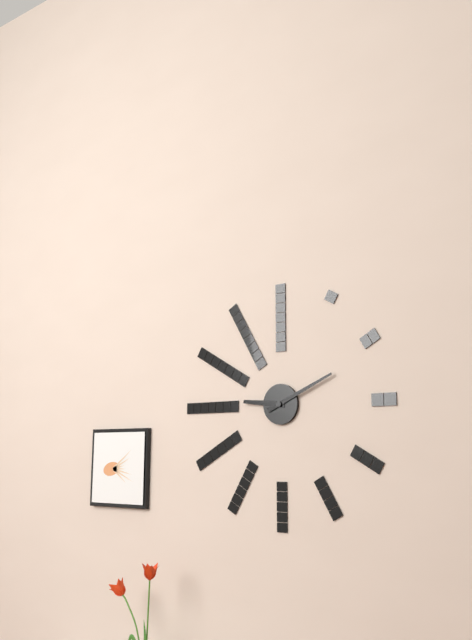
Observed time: 9:11
